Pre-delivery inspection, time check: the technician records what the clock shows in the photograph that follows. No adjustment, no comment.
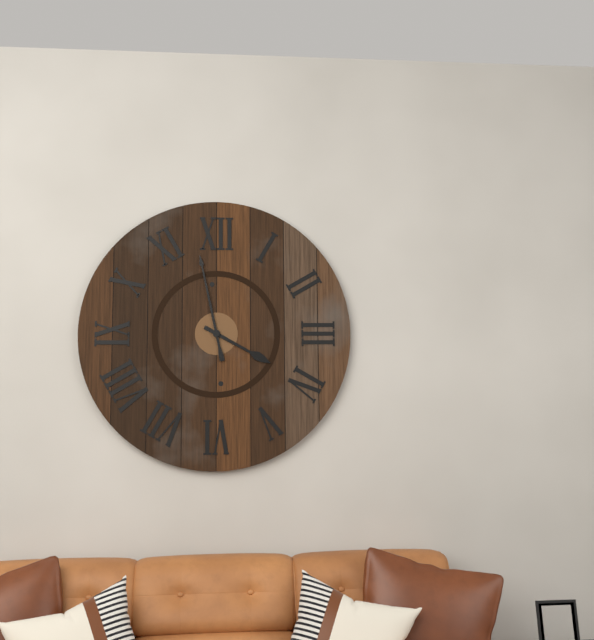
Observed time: 3:58
